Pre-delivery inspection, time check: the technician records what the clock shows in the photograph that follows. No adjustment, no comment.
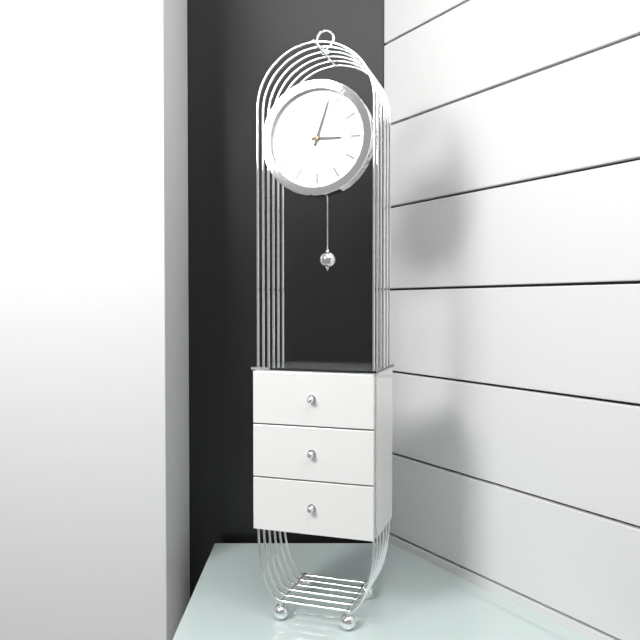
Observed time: 3:03
